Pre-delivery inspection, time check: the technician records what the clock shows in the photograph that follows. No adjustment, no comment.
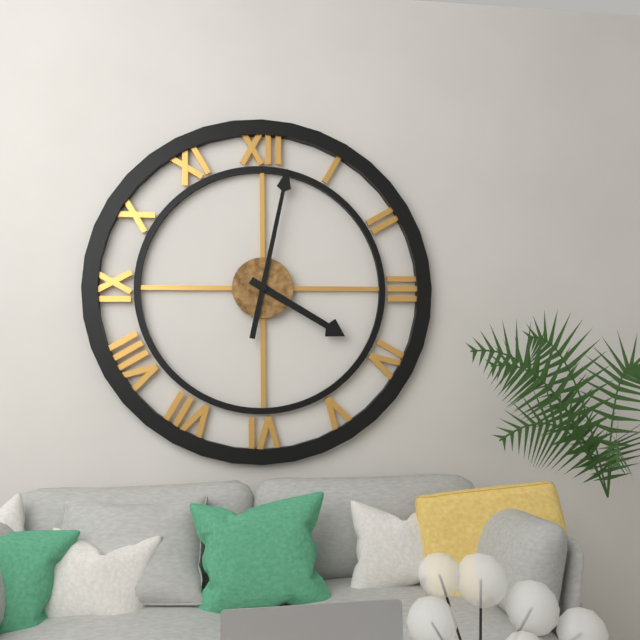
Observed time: 4:02
